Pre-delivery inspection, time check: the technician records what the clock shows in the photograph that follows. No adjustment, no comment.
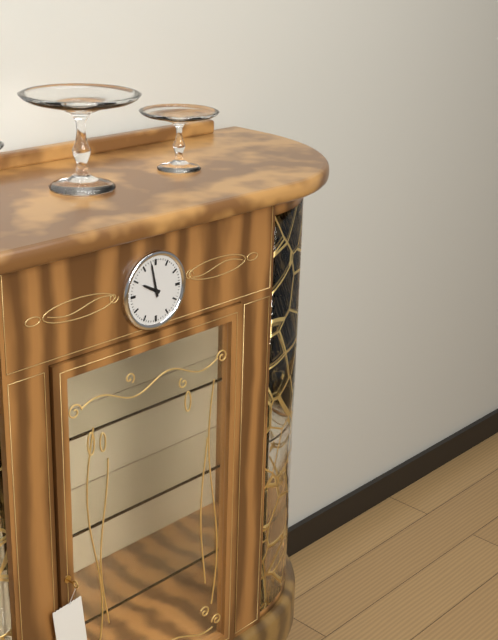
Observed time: 9:58
